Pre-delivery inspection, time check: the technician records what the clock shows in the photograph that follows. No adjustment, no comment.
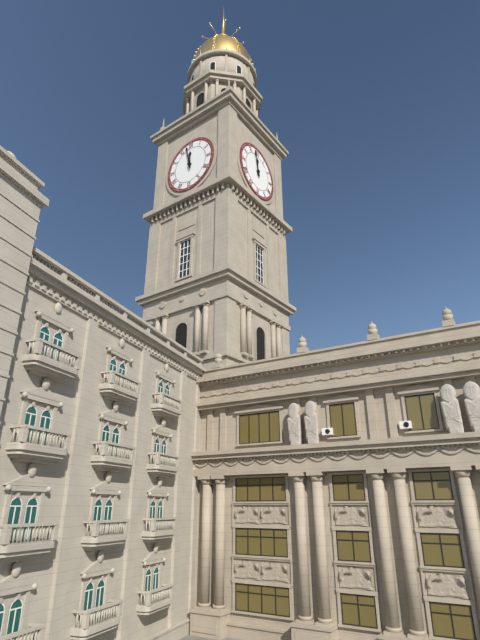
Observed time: 11:58
